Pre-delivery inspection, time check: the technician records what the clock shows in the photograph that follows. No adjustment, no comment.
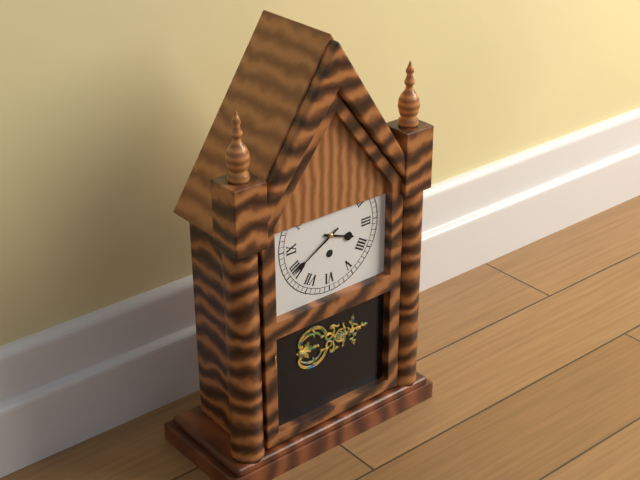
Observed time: 3:40
